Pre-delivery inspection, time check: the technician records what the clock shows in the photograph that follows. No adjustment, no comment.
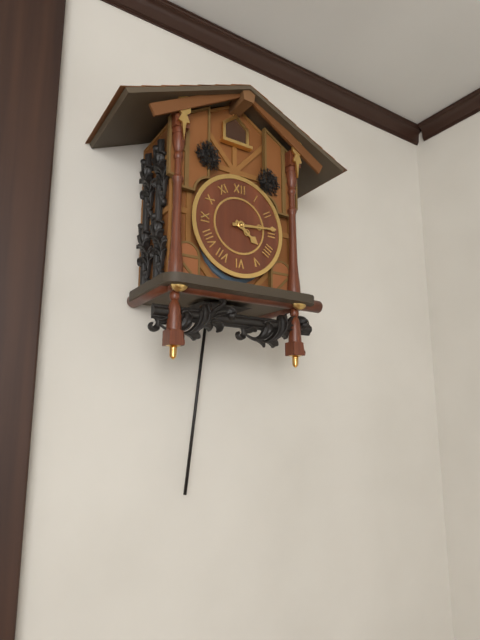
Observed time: 4:14
